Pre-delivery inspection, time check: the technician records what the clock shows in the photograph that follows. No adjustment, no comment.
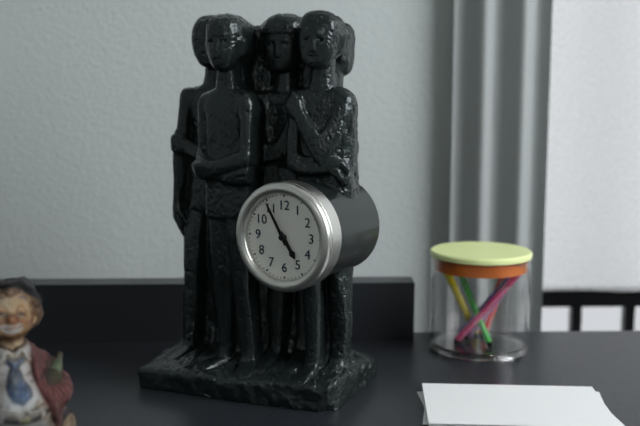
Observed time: 4:55
